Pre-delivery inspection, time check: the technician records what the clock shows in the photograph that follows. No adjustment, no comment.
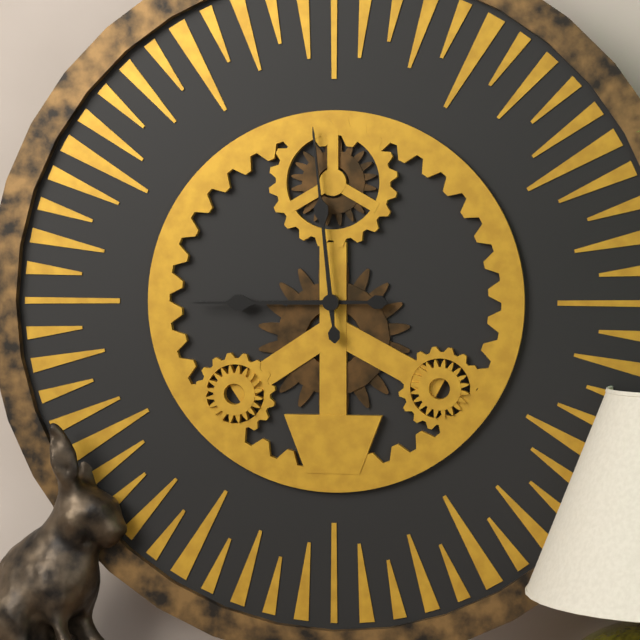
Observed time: 8:59
